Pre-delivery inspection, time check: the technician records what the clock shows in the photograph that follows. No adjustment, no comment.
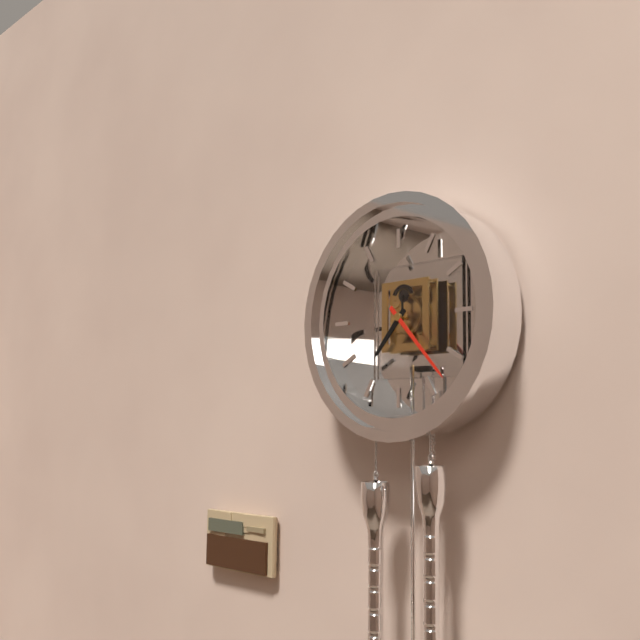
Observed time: 7:23
